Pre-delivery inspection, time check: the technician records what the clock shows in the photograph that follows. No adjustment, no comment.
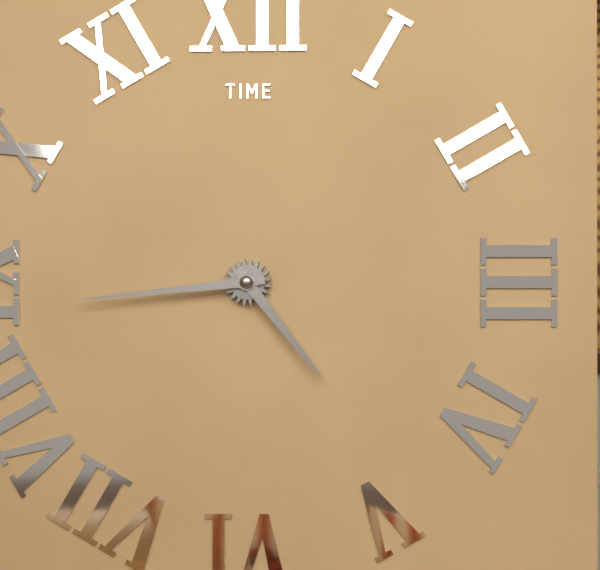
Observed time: 4:44
